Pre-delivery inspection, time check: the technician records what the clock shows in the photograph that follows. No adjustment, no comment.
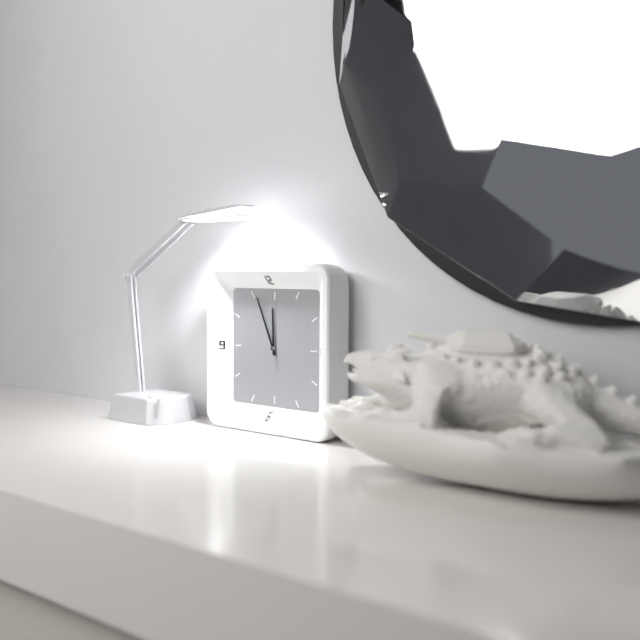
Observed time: 11:56
